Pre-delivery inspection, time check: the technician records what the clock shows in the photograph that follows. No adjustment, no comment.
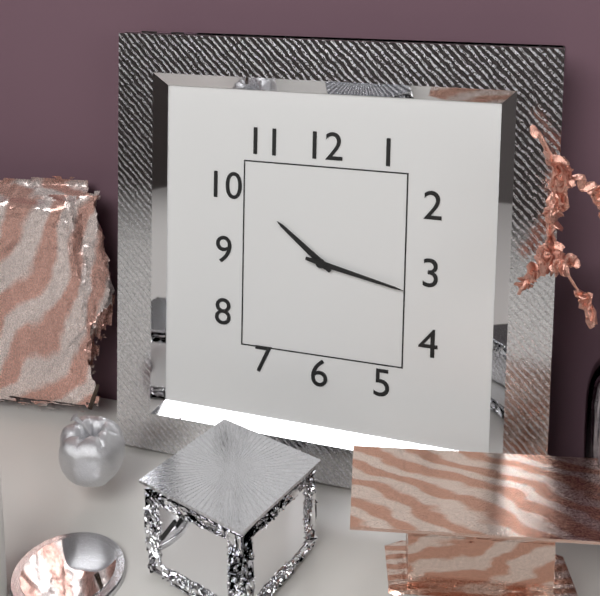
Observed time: 10:17
